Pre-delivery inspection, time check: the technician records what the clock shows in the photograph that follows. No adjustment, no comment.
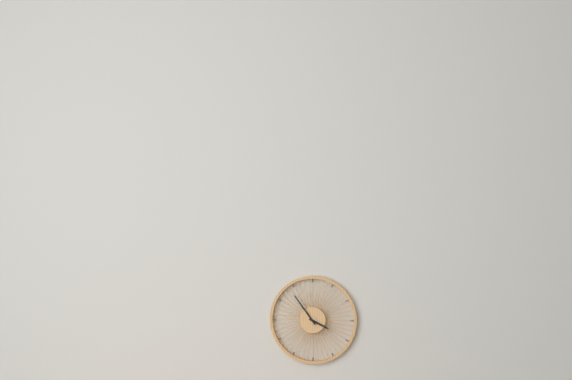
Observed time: 3:54
